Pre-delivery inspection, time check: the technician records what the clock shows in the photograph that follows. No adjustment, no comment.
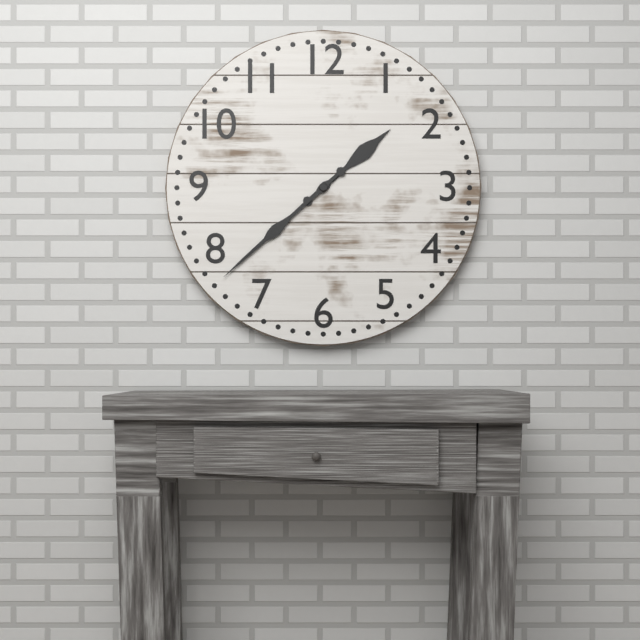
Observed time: 1:38
